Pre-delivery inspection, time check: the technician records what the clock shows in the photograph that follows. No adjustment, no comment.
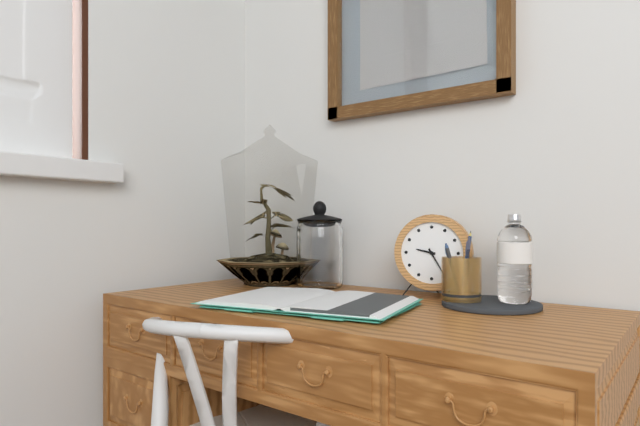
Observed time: 9:25
